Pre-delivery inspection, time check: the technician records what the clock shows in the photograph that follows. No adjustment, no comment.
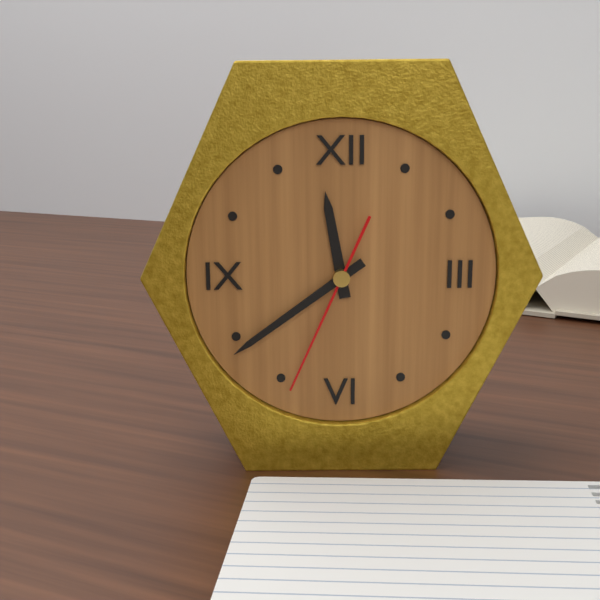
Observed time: 11:39:34
